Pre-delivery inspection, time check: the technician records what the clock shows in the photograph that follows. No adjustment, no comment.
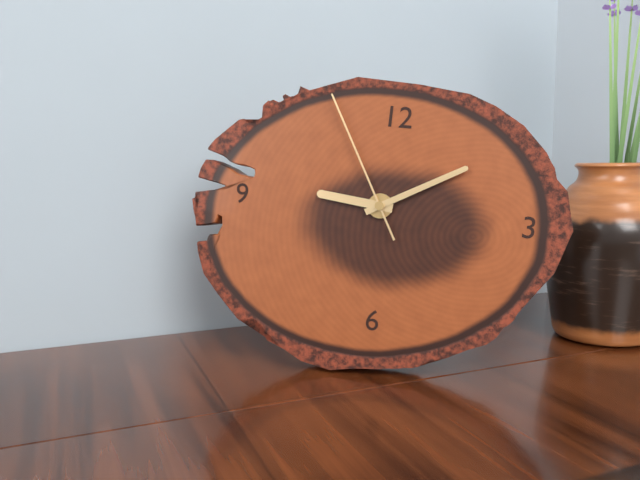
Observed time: 9:10:55
